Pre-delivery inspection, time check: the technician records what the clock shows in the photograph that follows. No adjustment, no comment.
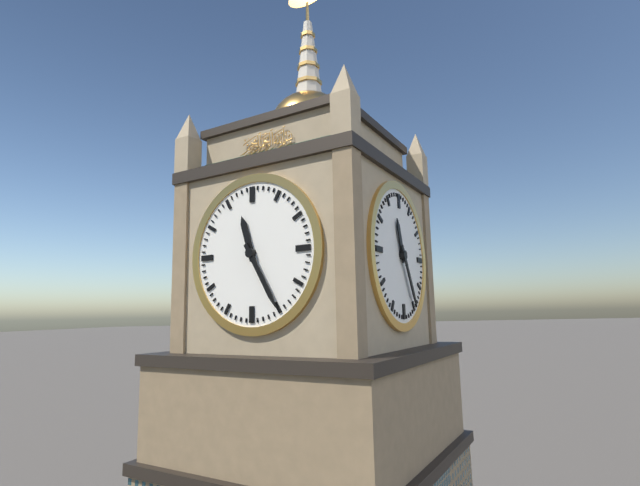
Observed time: 11:25
